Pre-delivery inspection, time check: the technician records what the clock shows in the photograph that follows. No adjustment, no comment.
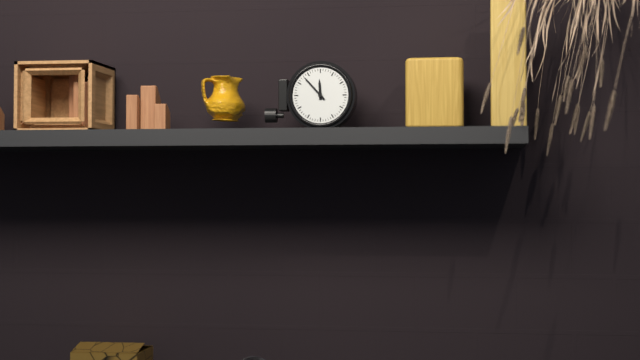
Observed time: 11:53
